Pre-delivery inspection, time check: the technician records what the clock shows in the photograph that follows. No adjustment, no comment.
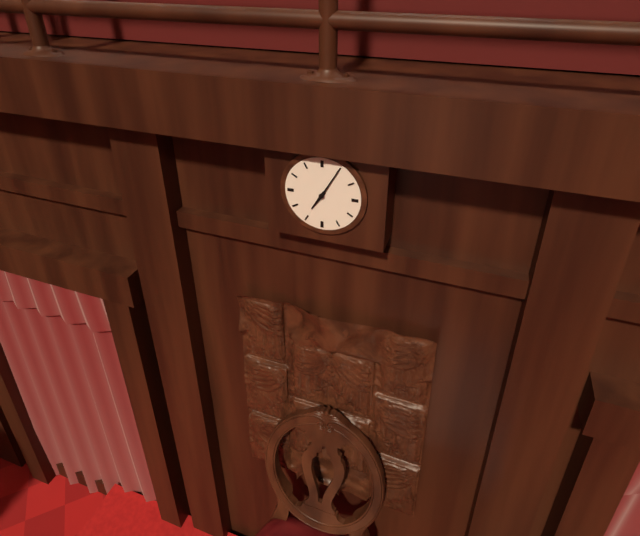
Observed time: 7:05
